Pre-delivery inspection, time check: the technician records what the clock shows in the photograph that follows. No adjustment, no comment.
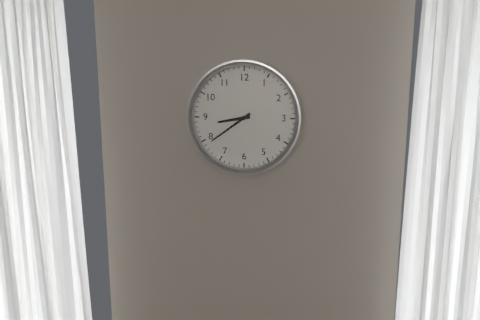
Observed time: 8:39
